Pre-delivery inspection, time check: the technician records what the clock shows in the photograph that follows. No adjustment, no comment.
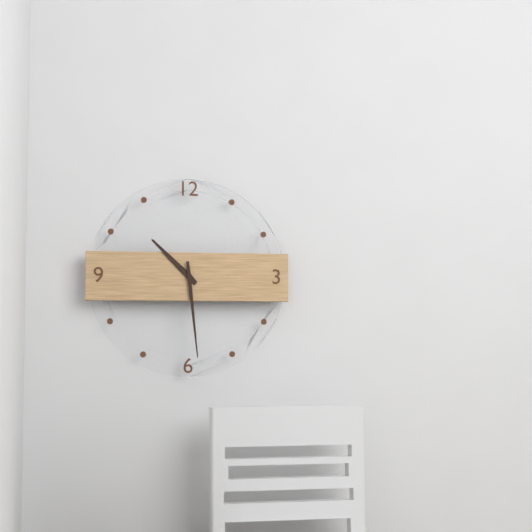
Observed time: 10:29
